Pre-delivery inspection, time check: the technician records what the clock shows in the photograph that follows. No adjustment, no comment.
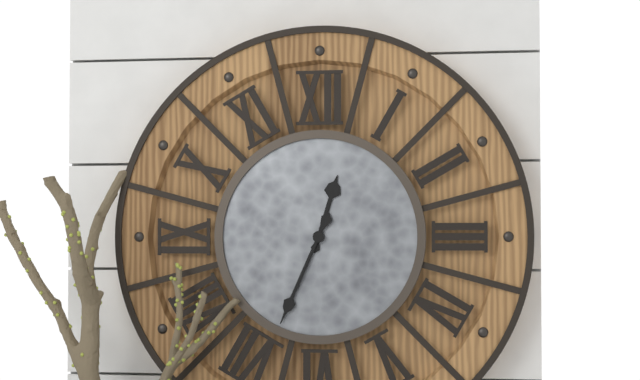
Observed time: 12:34
